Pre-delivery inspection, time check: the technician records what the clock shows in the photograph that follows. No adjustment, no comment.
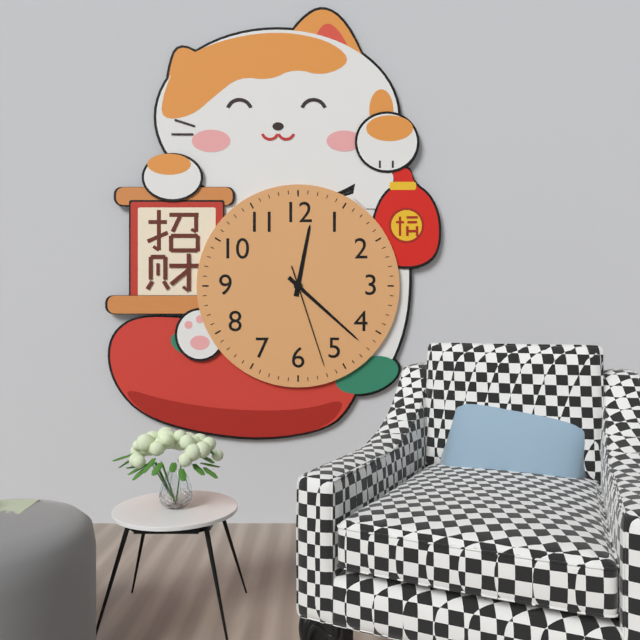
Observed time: 12:22:27
